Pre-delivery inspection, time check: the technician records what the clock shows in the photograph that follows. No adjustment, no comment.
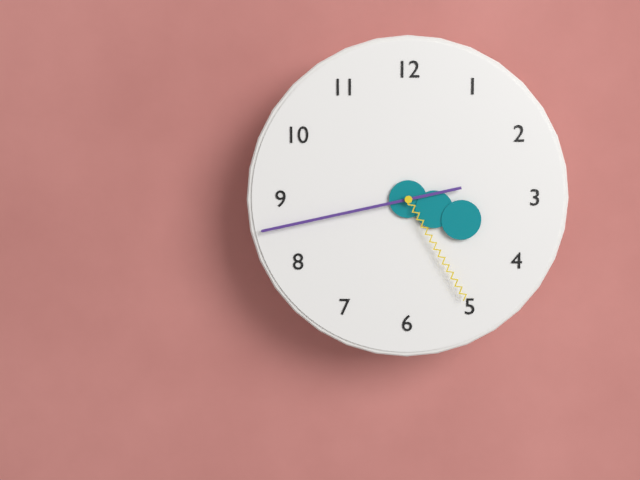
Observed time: 3:43:25
